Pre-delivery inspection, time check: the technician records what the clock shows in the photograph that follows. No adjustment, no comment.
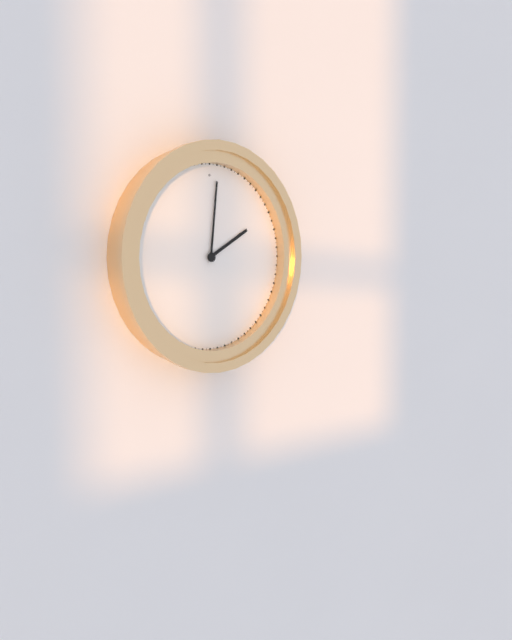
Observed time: 2:01
